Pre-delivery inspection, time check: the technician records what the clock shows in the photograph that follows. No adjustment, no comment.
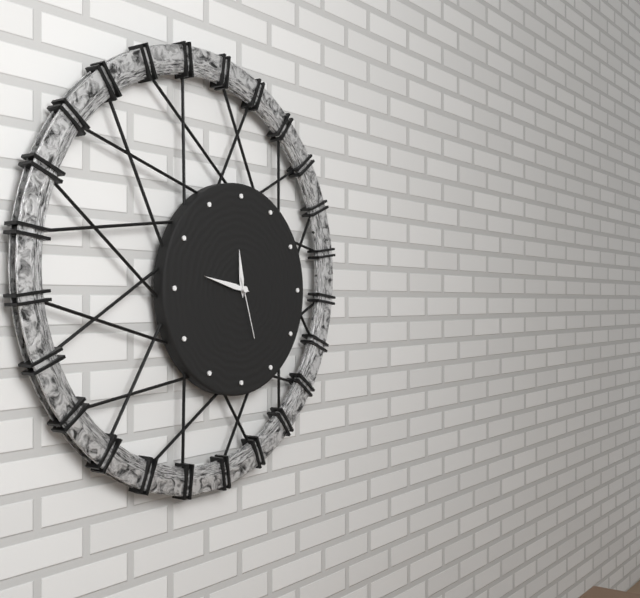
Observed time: 11:47:27
